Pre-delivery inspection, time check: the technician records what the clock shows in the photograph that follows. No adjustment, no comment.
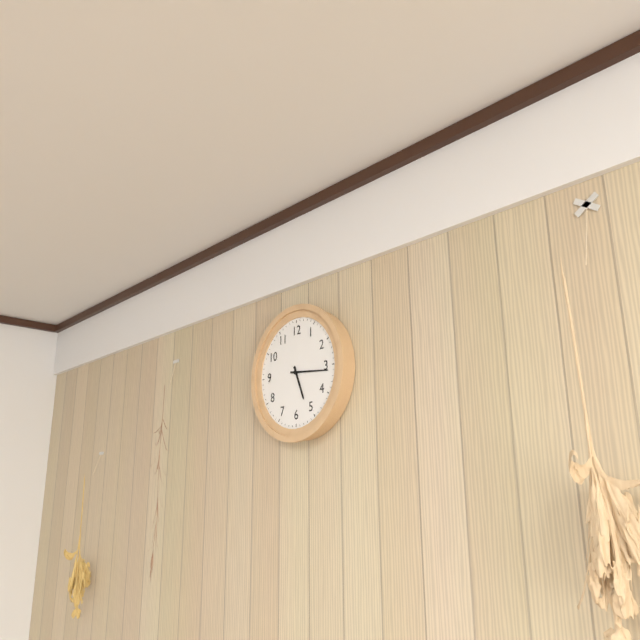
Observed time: 5:16
